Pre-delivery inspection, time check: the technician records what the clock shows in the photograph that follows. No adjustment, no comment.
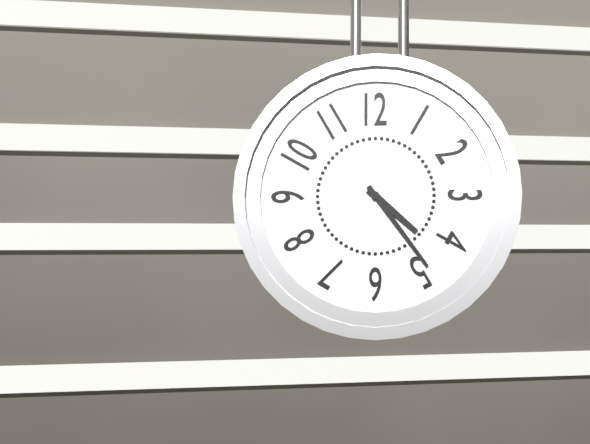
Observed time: 4:24
